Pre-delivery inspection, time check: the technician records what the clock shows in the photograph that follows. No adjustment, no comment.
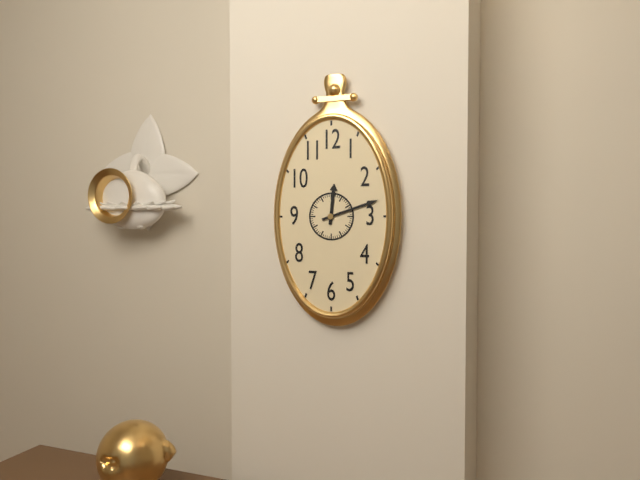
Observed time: 12:12
